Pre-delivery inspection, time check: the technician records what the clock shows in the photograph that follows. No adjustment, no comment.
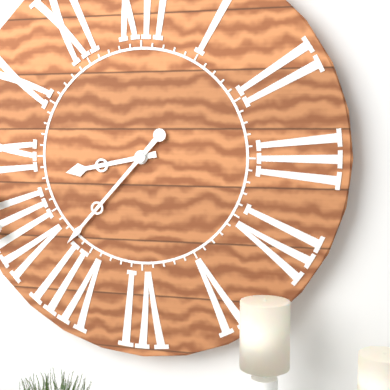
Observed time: 8:37
